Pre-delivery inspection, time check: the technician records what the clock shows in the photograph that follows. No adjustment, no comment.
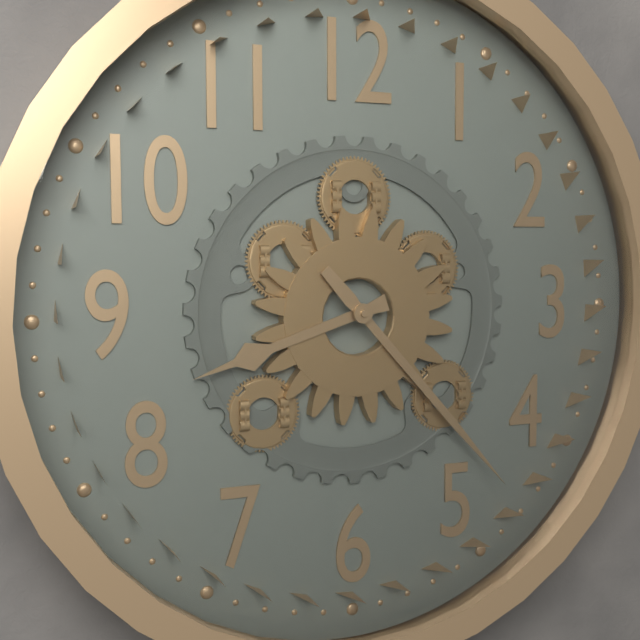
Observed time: 8:23
